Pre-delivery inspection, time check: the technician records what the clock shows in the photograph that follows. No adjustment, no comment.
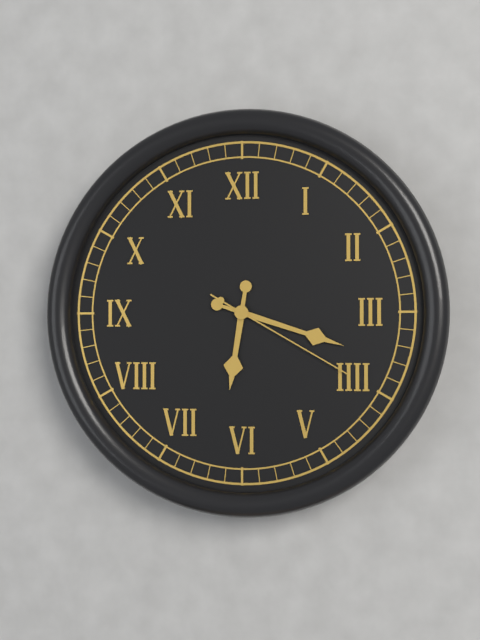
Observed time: 6:18:20
